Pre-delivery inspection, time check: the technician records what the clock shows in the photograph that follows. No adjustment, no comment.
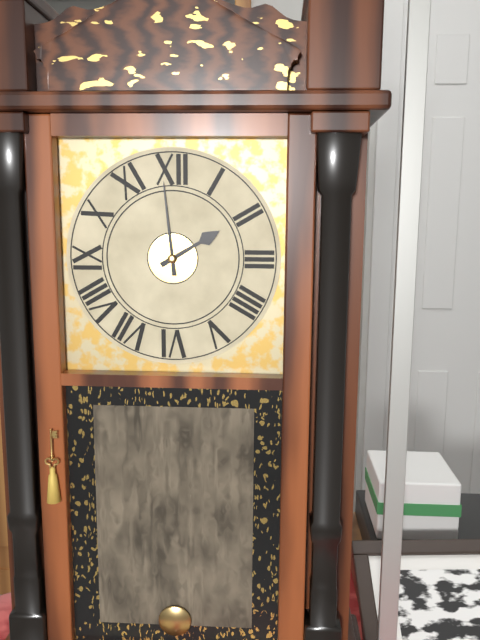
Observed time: 1:59
